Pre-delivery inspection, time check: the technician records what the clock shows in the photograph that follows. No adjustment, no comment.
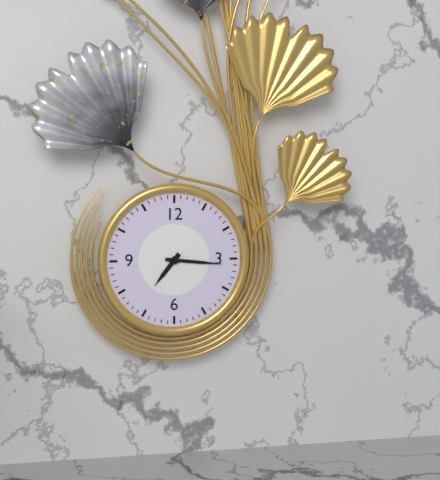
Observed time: 7:16
